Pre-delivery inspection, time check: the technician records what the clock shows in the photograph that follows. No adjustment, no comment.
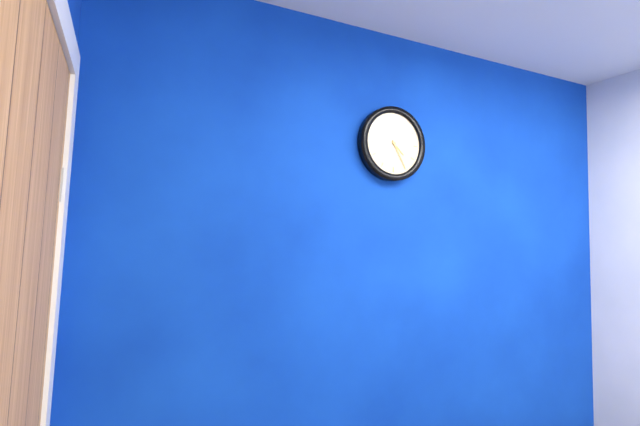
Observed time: 4:25
